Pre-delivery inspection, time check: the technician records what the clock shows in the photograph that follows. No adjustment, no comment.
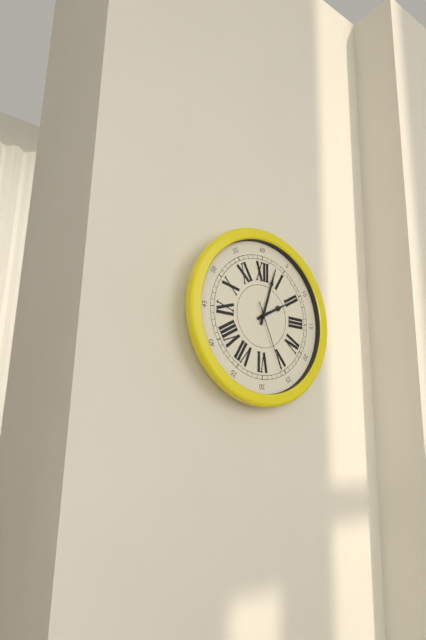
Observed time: 2:03:26
